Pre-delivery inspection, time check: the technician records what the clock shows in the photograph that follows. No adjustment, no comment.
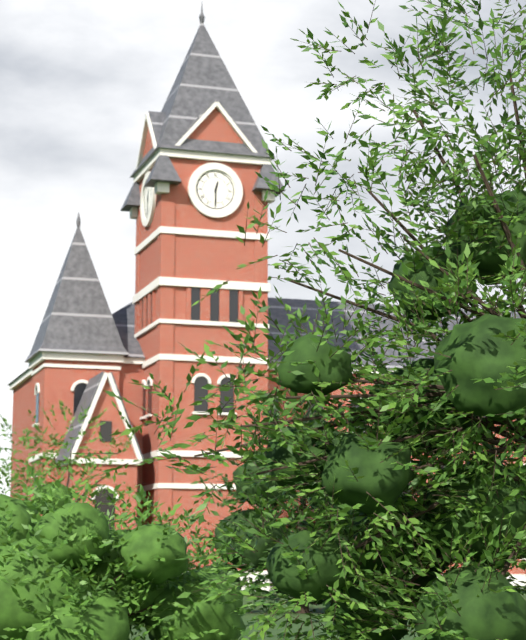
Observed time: 12:30
